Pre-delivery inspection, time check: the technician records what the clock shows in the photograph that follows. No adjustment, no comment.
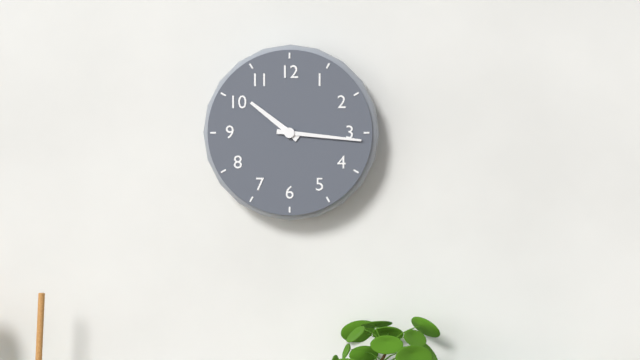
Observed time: 10:16
